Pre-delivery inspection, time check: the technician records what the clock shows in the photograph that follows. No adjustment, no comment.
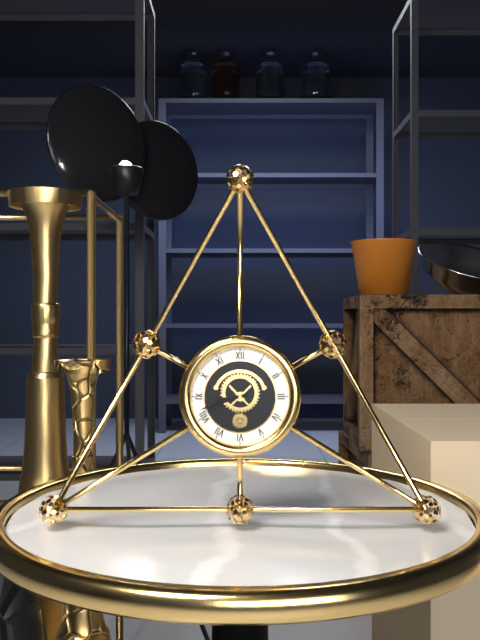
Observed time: 8:42
